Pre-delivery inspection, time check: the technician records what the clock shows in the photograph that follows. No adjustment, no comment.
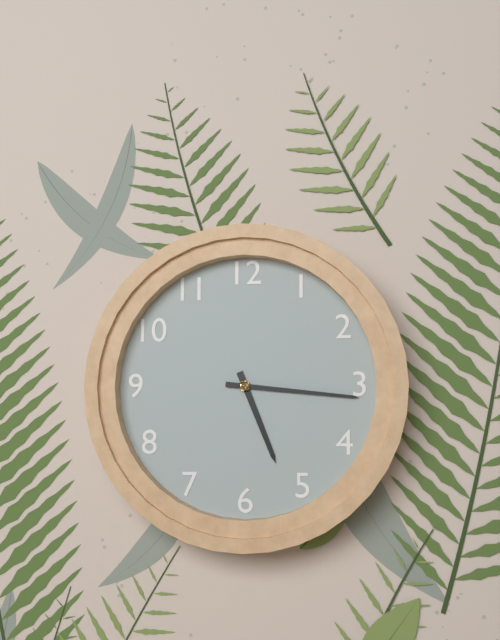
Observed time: 5:16
